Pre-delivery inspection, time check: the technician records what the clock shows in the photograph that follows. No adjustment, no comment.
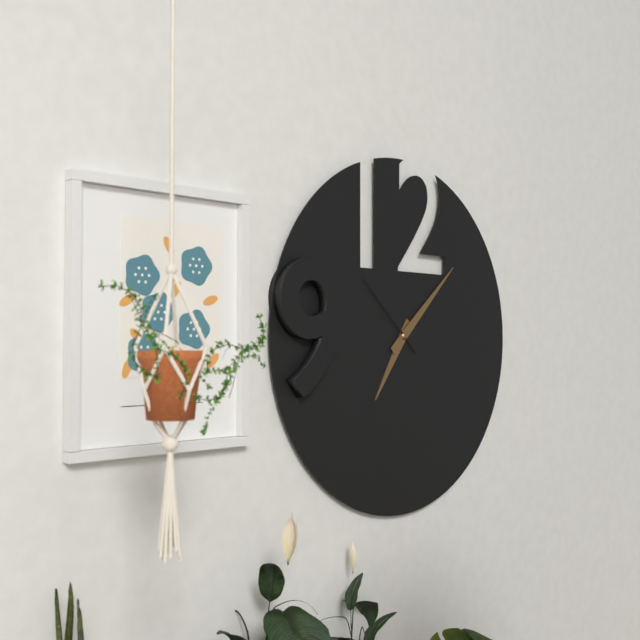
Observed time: 7:08:52
